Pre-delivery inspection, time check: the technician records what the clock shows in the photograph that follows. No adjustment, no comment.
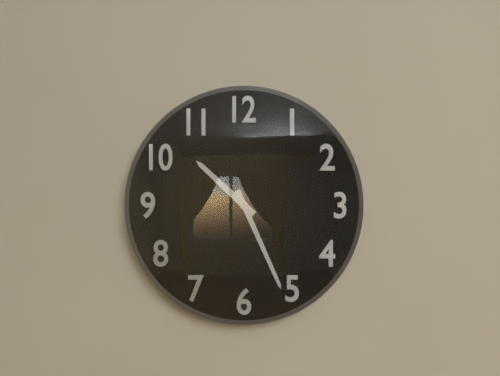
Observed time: 10:26
